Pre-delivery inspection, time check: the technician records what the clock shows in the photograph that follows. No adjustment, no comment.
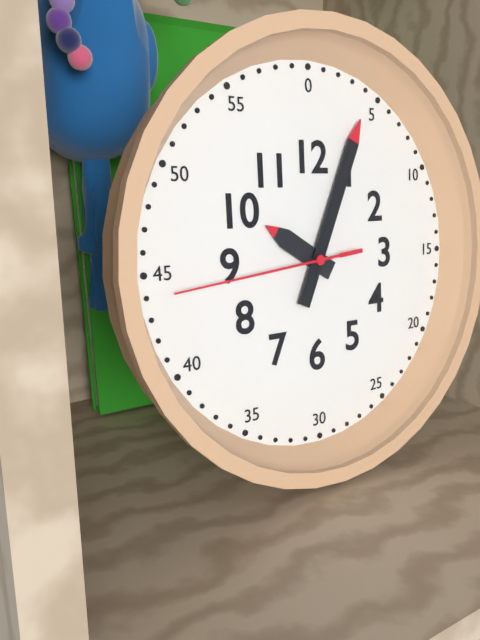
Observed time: 10:04:44
